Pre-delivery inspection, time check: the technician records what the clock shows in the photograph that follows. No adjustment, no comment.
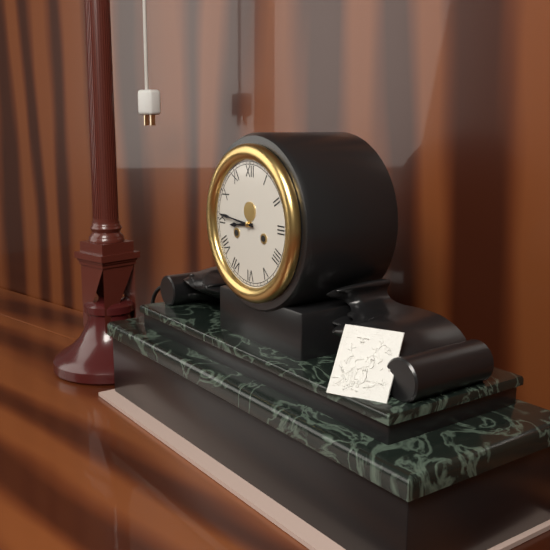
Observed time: 8:46
